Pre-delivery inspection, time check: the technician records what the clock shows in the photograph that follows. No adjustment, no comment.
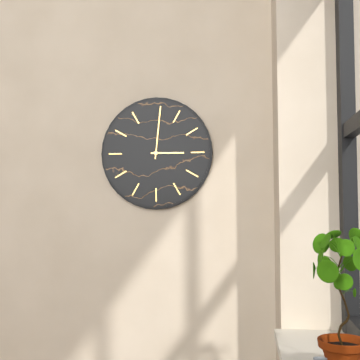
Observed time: 3:01
